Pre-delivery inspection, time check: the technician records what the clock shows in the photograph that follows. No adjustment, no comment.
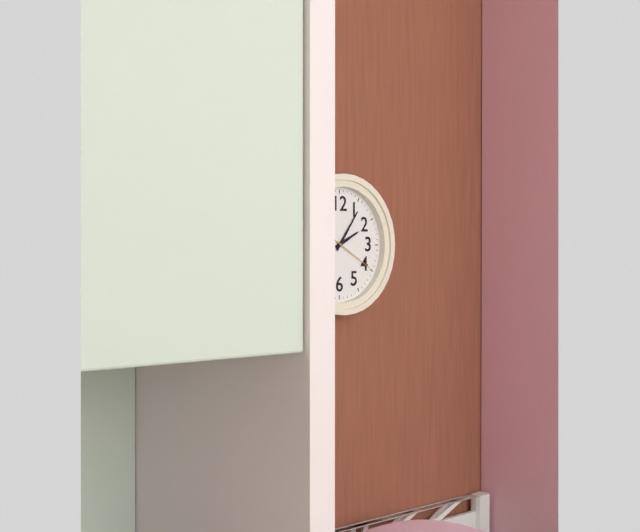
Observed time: 2:06
